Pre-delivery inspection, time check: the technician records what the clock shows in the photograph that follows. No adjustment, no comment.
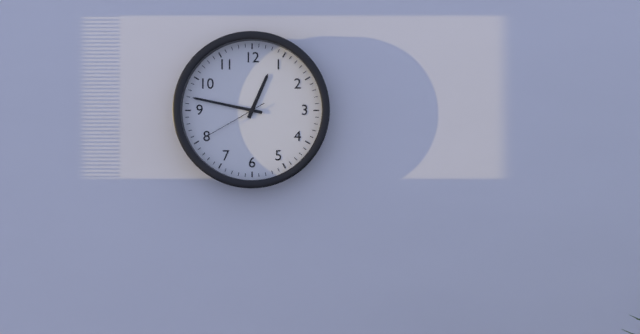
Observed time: 12:47:40
